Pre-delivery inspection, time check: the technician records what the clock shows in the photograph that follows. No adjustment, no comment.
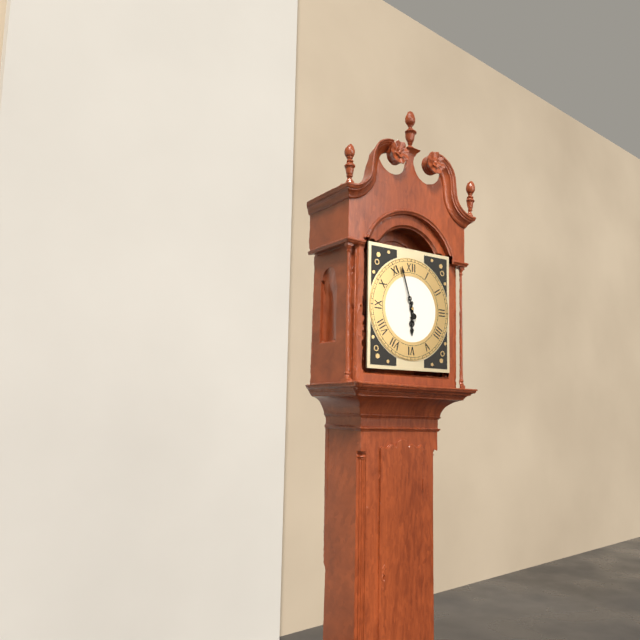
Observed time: 5:57
